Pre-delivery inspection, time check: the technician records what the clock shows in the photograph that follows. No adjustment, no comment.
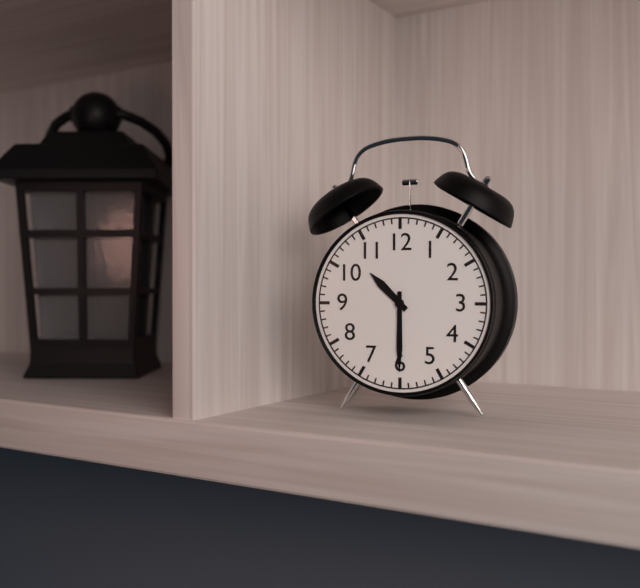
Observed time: 10:30
